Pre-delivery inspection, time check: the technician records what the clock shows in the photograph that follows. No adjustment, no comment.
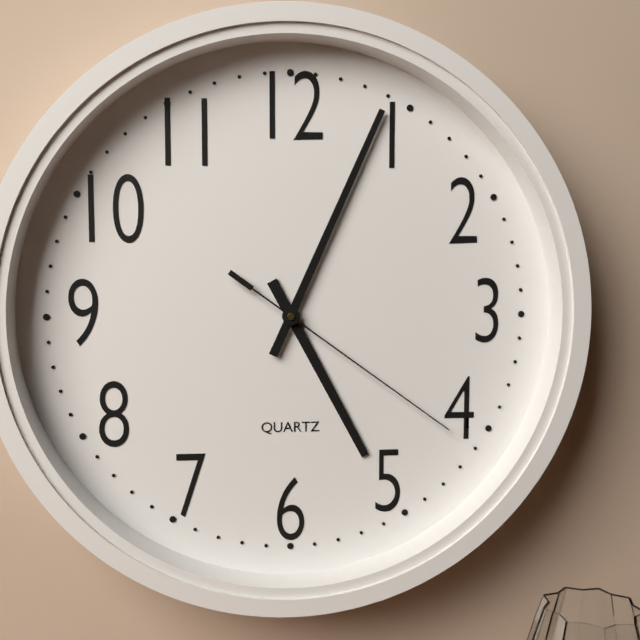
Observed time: 5:04:21
